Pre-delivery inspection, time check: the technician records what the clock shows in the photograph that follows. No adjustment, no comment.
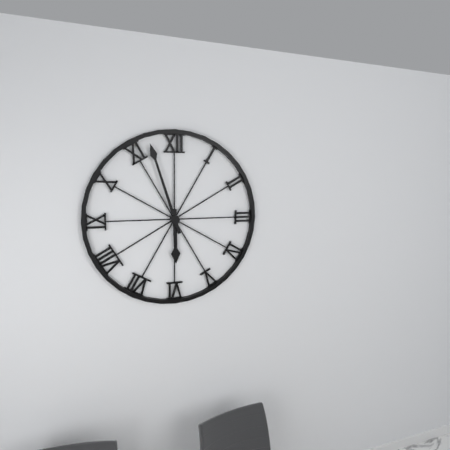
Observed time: 5:57
